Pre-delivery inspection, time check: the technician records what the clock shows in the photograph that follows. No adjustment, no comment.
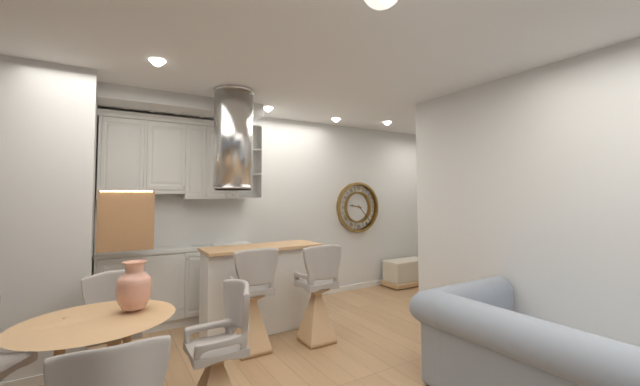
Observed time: 9:23
